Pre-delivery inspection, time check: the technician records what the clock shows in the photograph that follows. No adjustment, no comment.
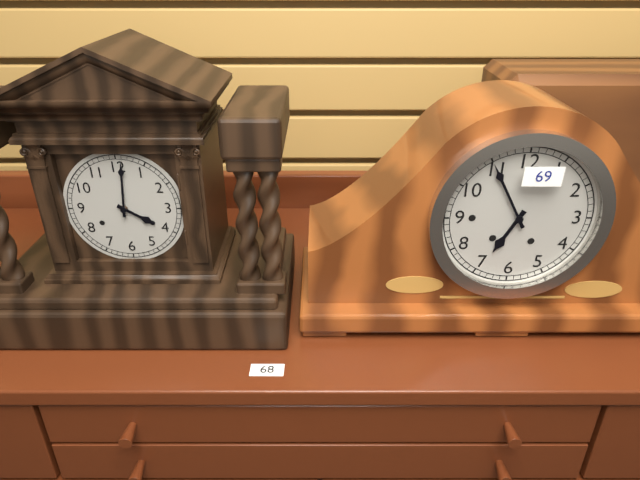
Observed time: 4:01
